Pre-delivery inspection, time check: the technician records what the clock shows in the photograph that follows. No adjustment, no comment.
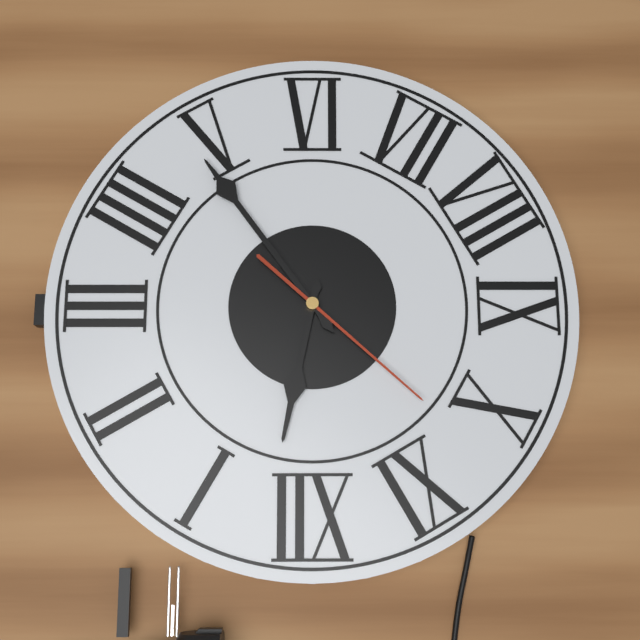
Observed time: 12:24:52
